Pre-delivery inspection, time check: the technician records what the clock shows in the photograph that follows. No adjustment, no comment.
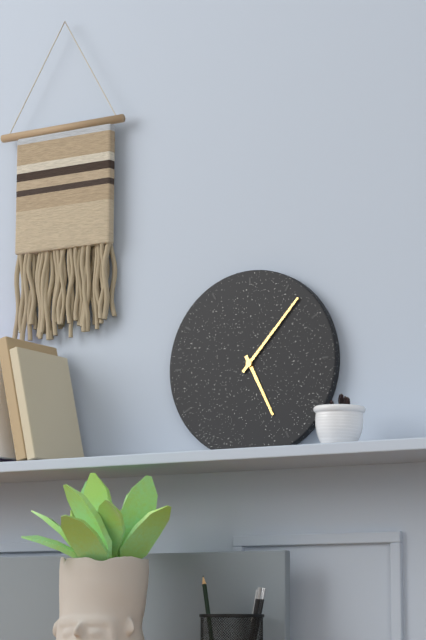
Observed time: 5:07
